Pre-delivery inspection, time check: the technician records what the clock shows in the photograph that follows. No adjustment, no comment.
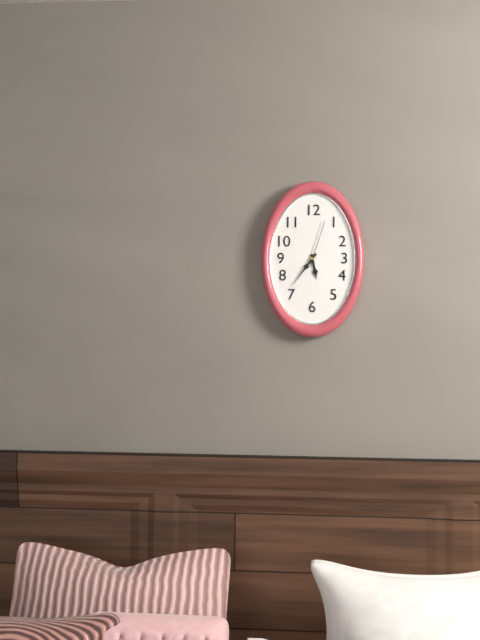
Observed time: 5:36
